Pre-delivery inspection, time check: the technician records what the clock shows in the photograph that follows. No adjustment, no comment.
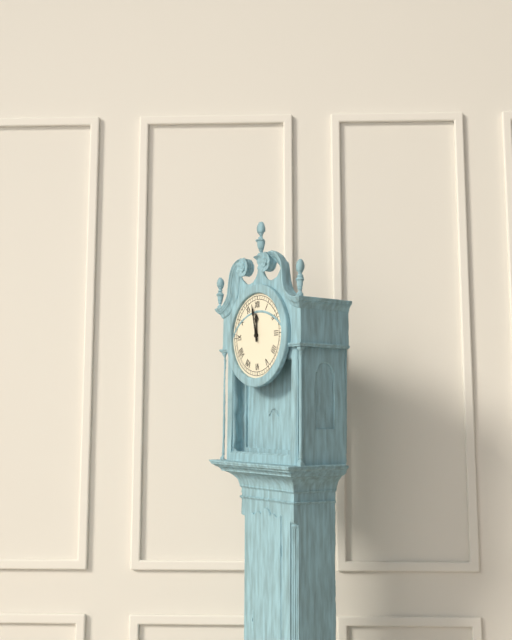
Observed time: 11:58
